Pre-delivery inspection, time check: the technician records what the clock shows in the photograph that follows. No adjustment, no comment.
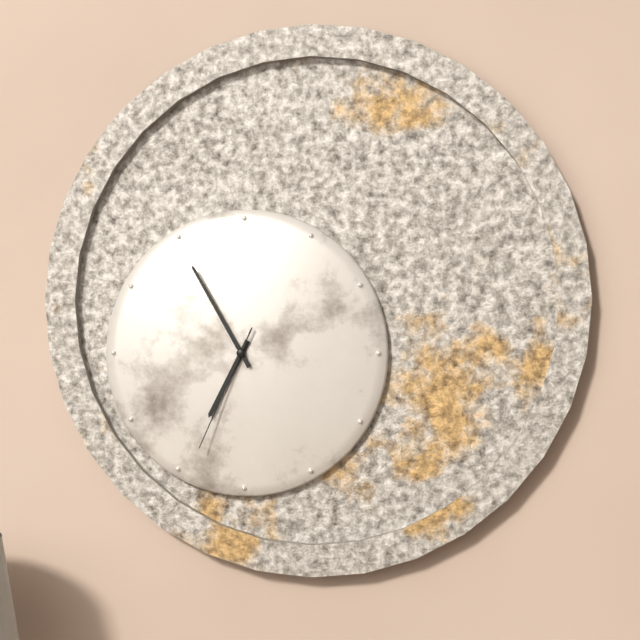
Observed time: 6:55:34
